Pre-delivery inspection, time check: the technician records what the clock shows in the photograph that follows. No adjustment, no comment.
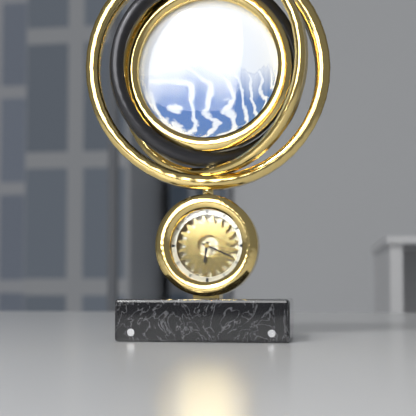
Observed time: 6:19
